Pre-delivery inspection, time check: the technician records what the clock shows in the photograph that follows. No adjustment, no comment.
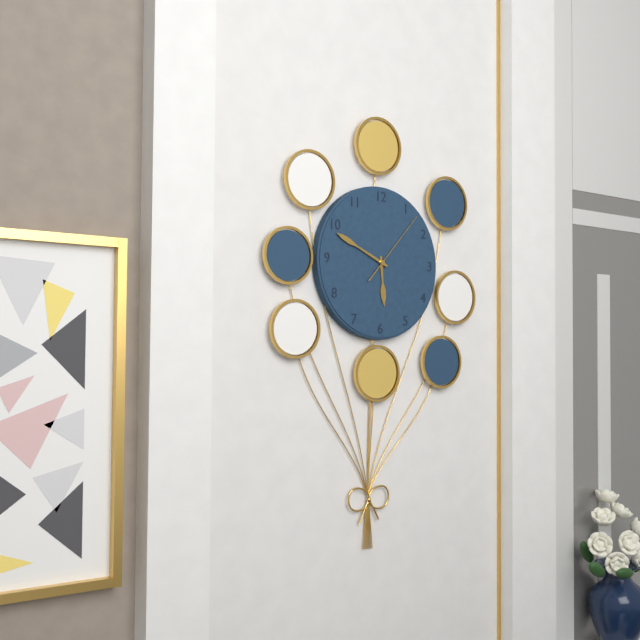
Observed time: 5:49:07
